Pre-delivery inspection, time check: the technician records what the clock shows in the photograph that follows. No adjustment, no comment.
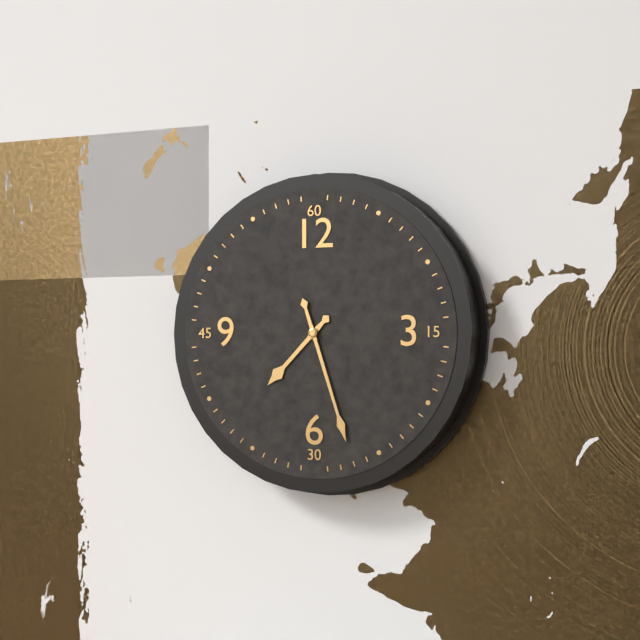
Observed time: 7:27
